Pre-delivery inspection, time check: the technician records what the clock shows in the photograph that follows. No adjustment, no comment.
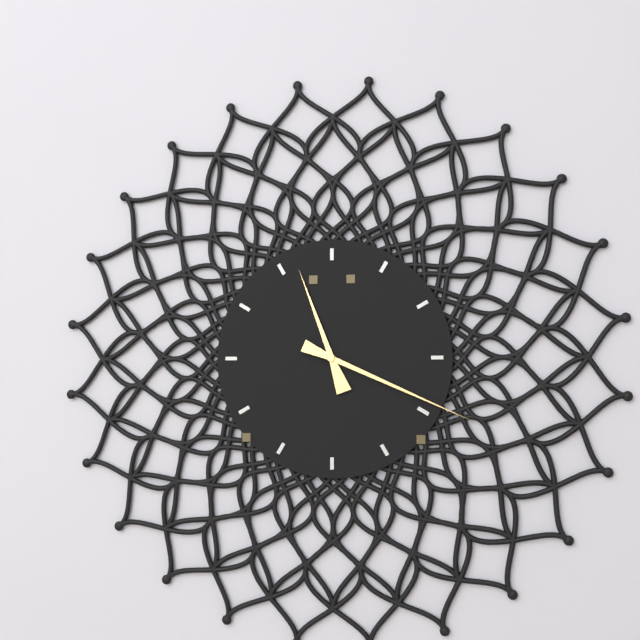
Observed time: 11:19
